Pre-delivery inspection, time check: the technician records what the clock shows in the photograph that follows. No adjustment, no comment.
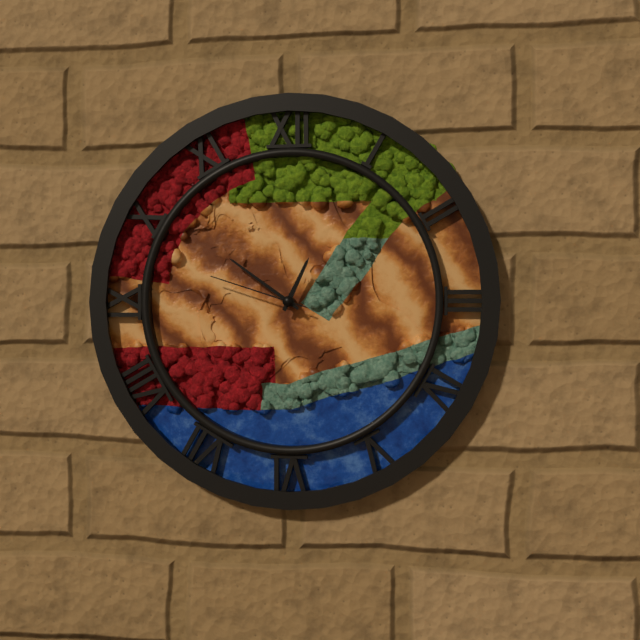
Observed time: 12:51:48
